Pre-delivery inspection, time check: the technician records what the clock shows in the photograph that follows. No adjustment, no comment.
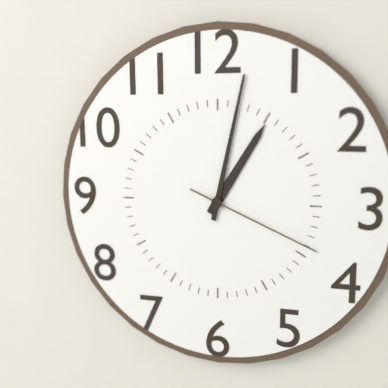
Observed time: 1:02:19
